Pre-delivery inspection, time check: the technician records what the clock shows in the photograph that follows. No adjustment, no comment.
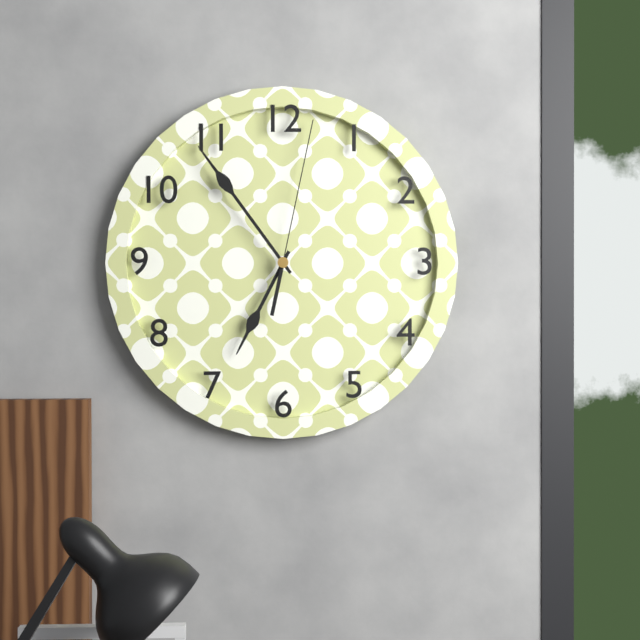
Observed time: 6:54:02
